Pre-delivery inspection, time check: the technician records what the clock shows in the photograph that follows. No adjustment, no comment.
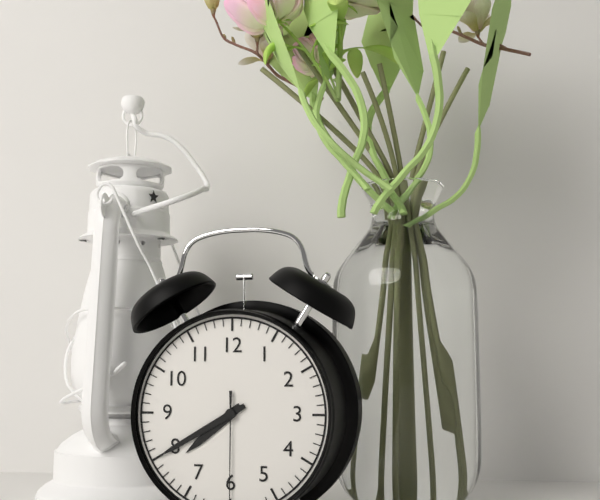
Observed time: 7:40
